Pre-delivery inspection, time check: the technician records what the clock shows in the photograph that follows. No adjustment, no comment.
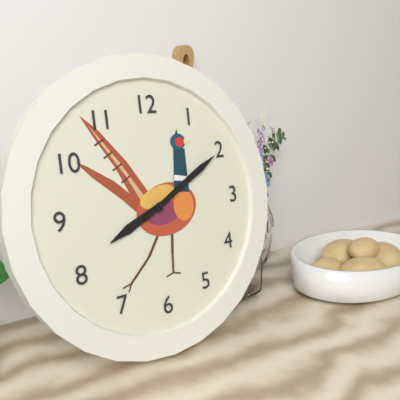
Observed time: 8:10
